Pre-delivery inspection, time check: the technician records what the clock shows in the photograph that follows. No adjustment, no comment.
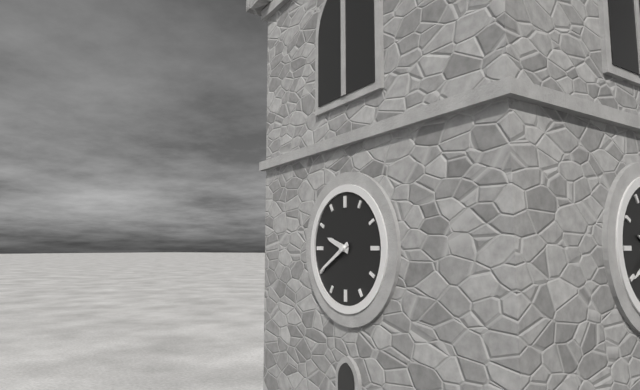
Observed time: 9:40
